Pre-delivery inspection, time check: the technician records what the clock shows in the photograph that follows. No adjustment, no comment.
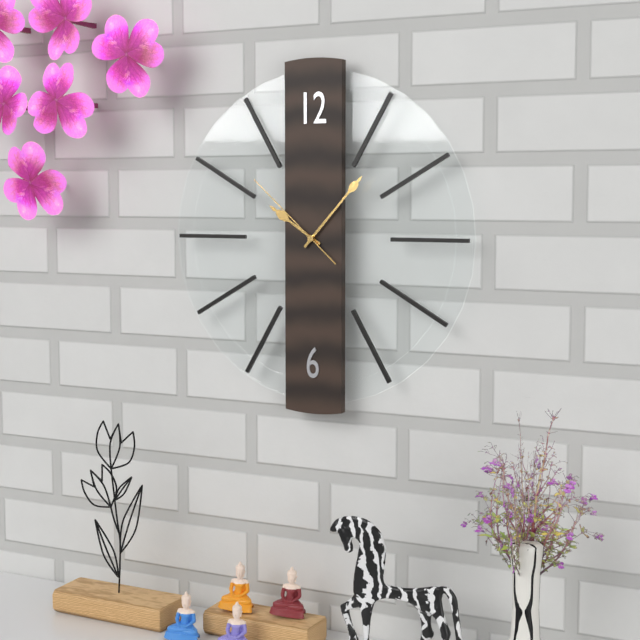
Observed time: 10:07:52
